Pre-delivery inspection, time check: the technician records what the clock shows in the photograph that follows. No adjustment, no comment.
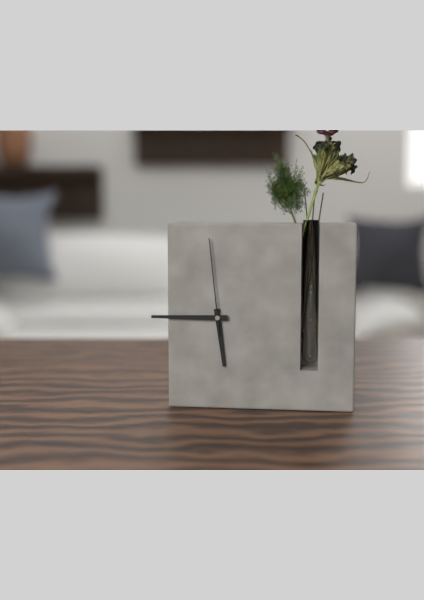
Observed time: 5:45:59
